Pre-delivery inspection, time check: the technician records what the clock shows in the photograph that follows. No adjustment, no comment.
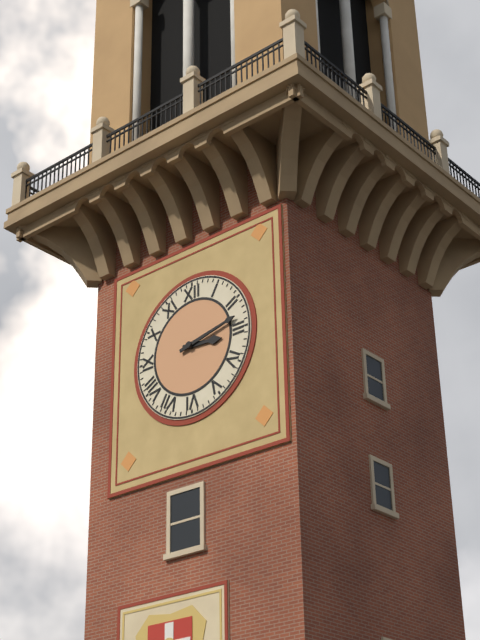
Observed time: 3:13
